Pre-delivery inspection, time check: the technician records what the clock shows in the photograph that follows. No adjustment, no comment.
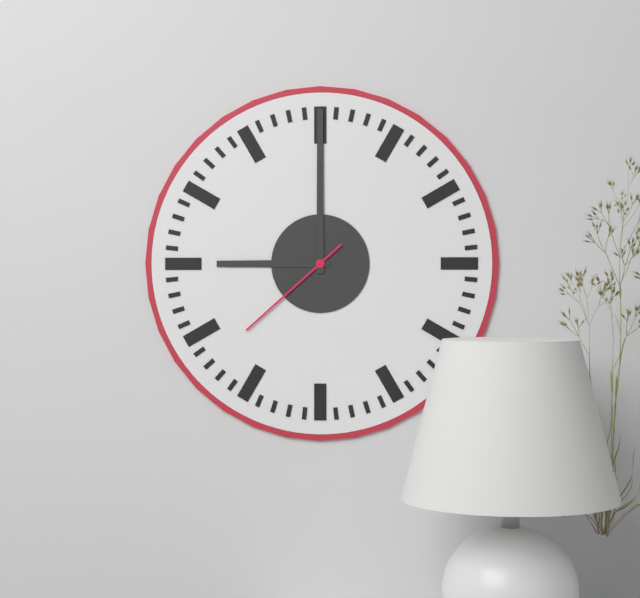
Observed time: 9:00:38
